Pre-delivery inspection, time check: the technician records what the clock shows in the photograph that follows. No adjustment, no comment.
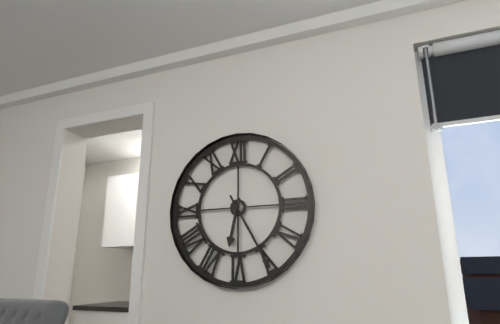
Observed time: 6:25
